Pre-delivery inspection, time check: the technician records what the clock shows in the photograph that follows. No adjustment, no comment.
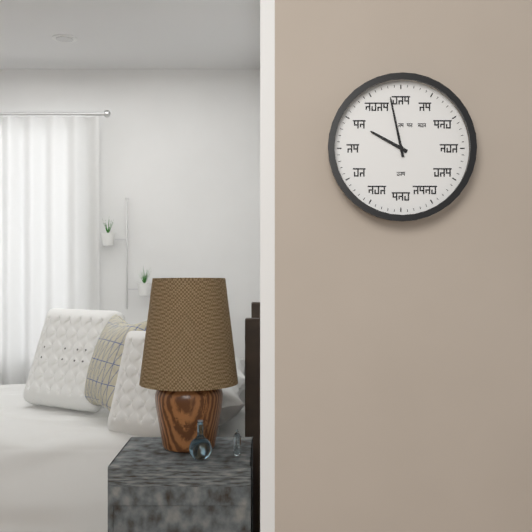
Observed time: 9:58
